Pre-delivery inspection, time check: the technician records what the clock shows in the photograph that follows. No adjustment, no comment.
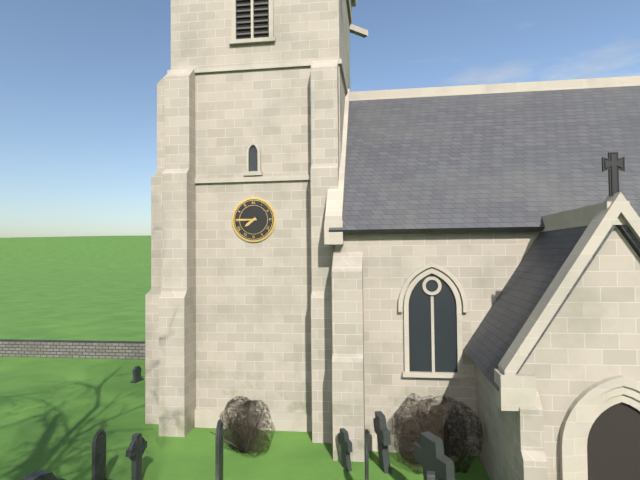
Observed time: 7:45
